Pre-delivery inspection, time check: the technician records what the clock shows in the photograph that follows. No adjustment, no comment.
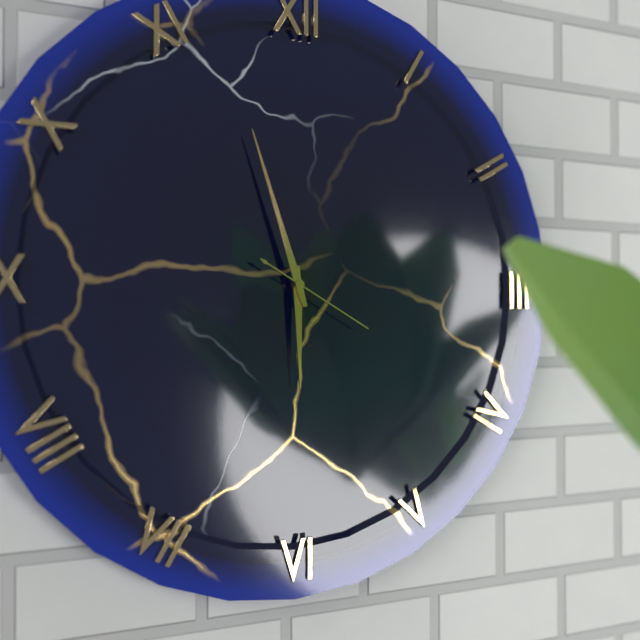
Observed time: 5:57:20
